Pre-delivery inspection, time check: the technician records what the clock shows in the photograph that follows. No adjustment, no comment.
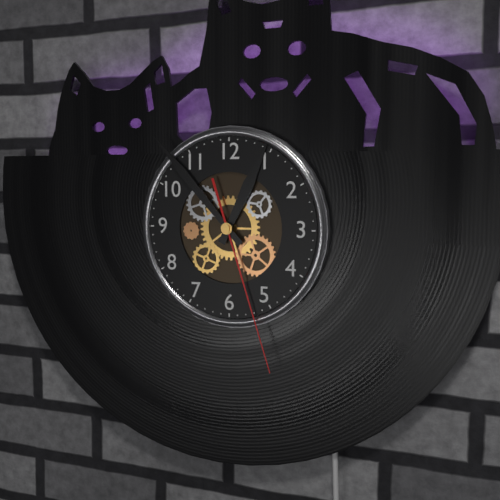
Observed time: 12:53:27
